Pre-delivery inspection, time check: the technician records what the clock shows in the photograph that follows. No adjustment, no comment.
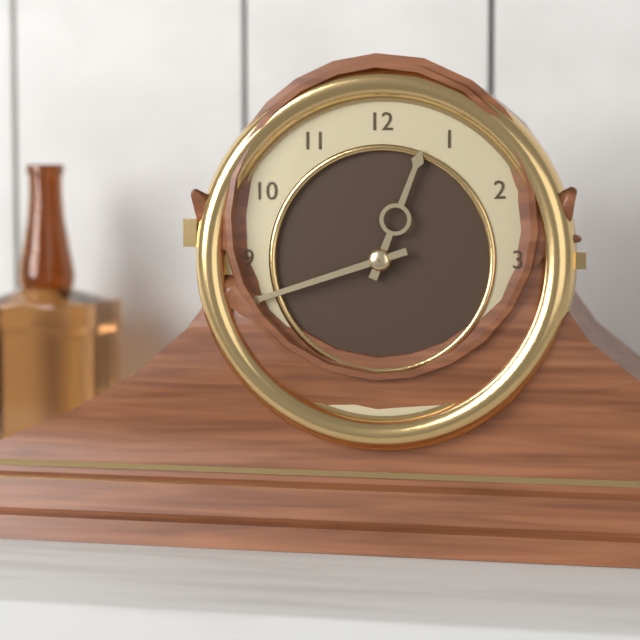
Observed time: 12:42
